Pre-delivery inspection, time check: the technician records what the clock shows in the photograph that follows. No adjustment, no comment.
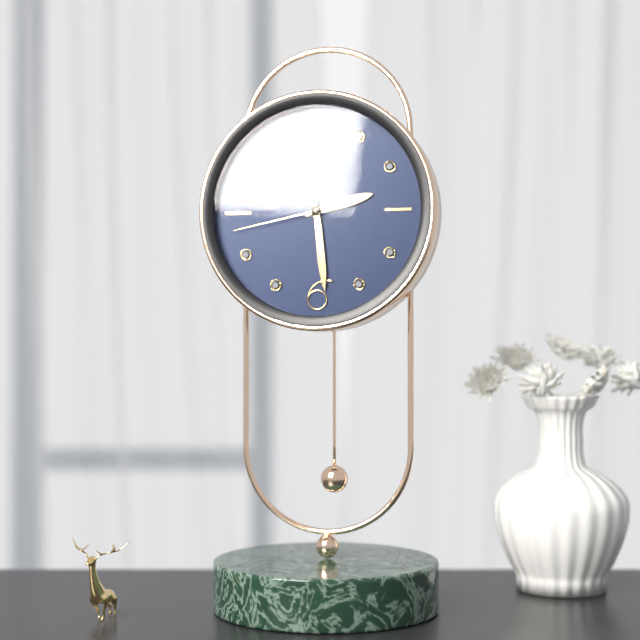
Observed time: 2:29:43
